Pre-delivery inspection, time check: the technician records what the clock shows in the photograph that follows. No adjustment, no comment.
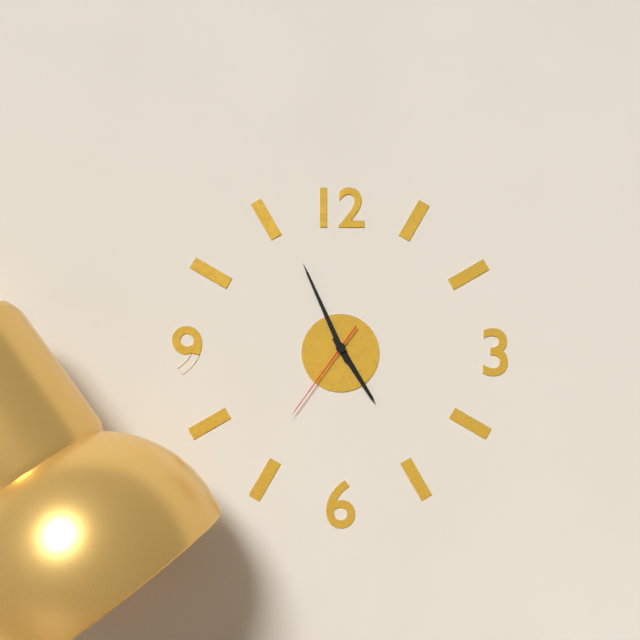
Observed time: 4:56:36
